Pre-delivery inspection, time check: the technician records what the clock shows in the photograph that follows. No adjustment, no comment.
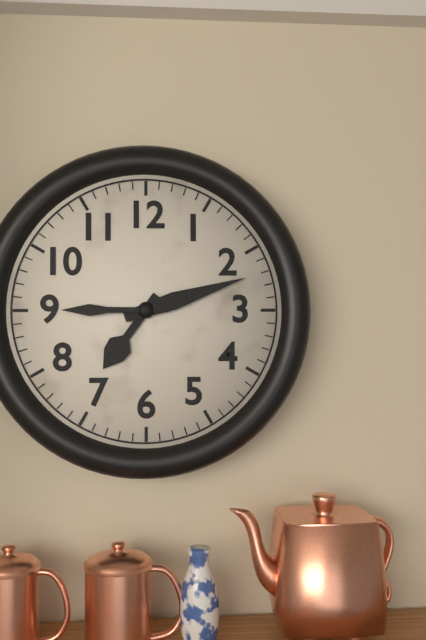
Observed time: 7:12:45
